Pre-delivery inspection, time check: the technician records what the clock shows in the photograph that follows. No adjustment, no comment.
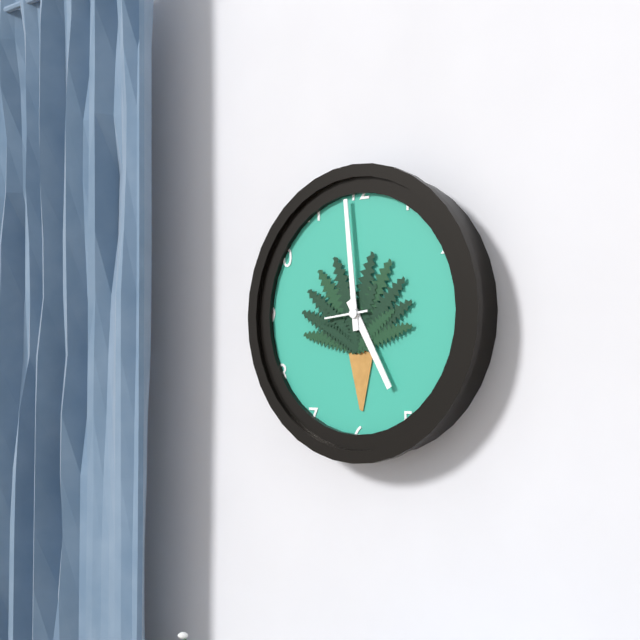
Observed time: 4:59
